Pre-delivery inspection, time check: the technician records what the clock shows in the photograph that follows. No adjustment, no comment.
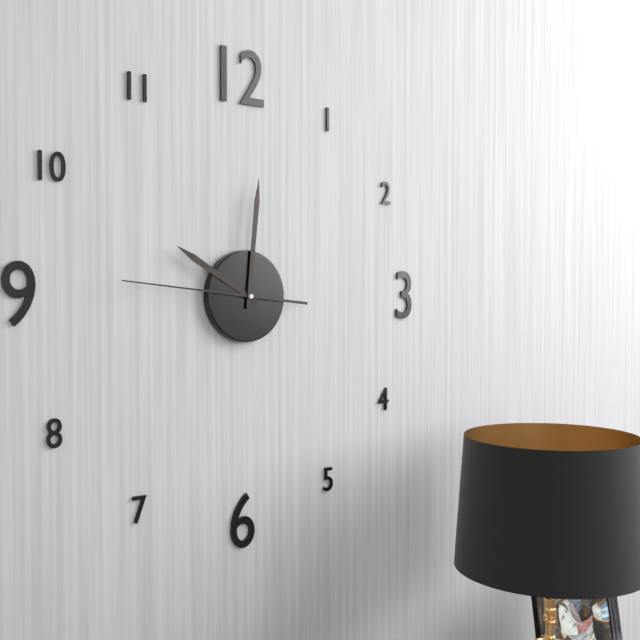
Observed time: 10:01:46
